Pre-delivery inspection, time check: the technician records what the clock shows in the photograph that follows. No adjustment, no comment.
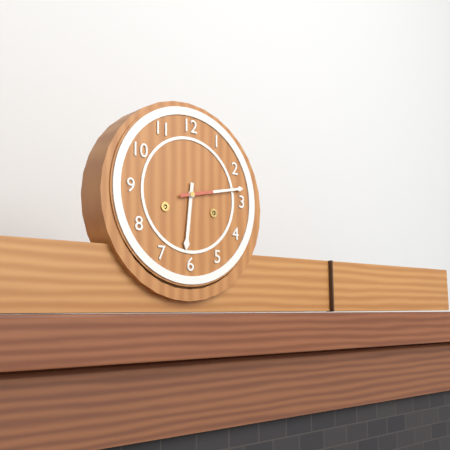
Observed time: 6:13
